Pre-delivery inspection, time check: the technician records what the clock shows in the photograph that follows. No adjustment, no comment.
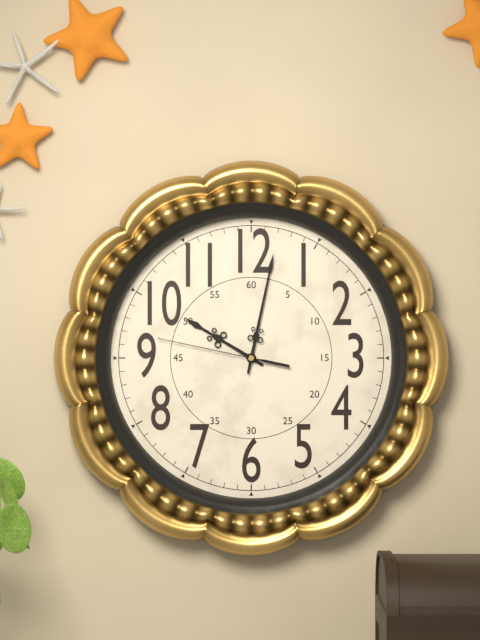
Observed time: 10:02:47
